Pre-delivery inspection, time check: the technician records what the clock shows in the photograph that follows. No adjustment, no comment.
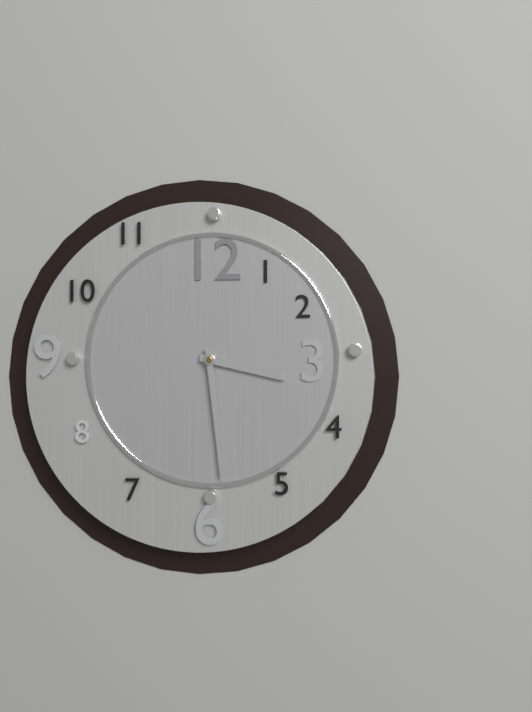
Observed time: 3:29
